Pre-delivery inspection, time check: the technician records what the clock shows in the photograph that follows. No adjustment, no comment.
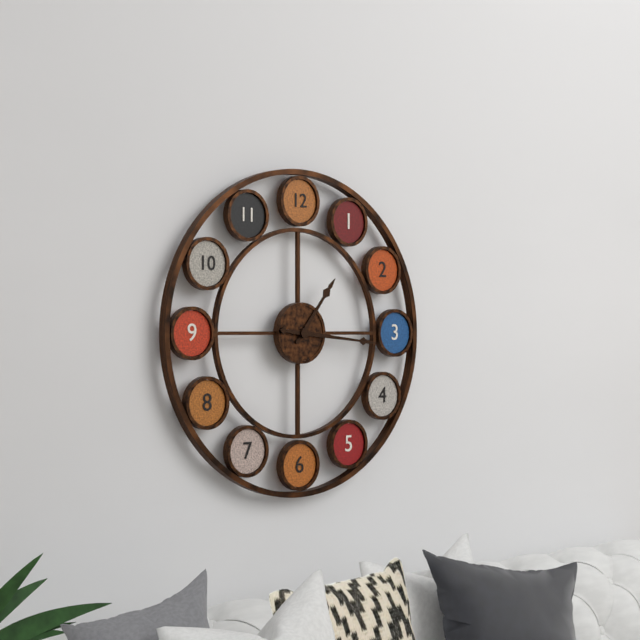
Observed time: 1:16
